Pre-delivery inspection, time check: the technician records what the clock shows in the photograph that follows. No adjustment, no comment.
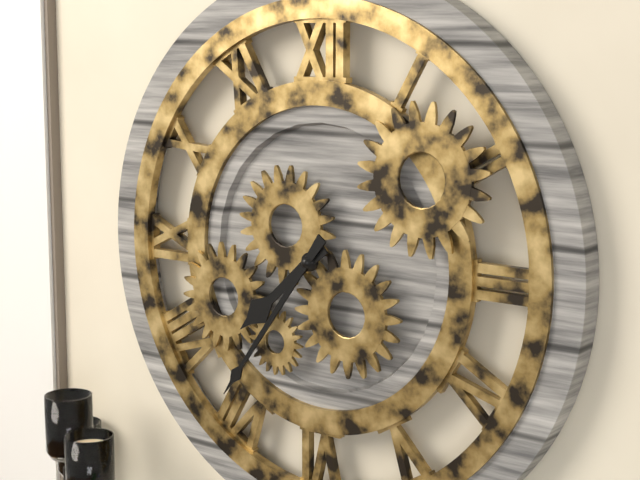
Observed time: 7:36
